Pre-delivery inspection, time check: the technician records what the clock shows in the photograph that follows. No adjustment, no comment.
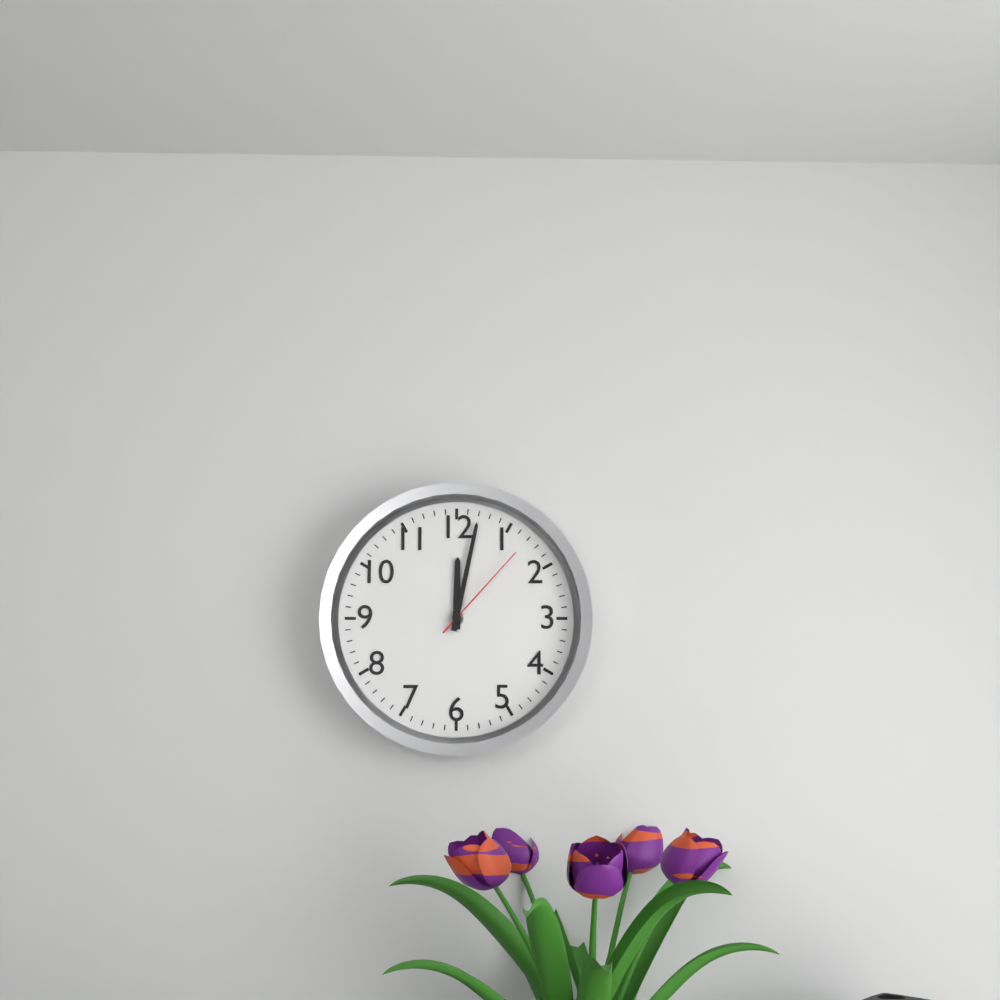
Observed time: 12:02:07
